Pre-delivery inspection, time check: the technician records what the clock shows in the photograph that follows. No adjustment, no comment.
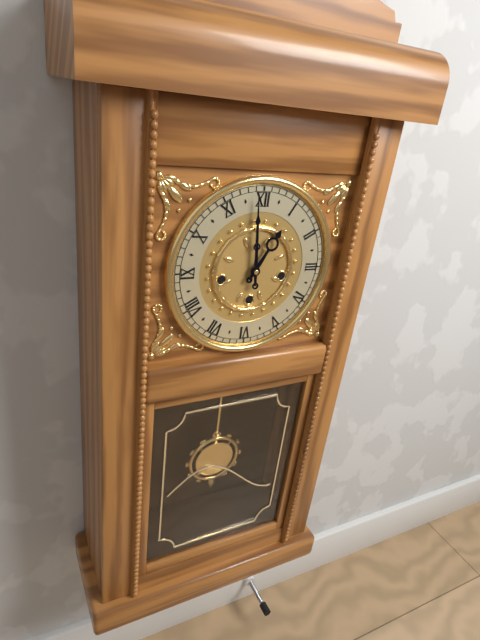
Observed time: 12:59
